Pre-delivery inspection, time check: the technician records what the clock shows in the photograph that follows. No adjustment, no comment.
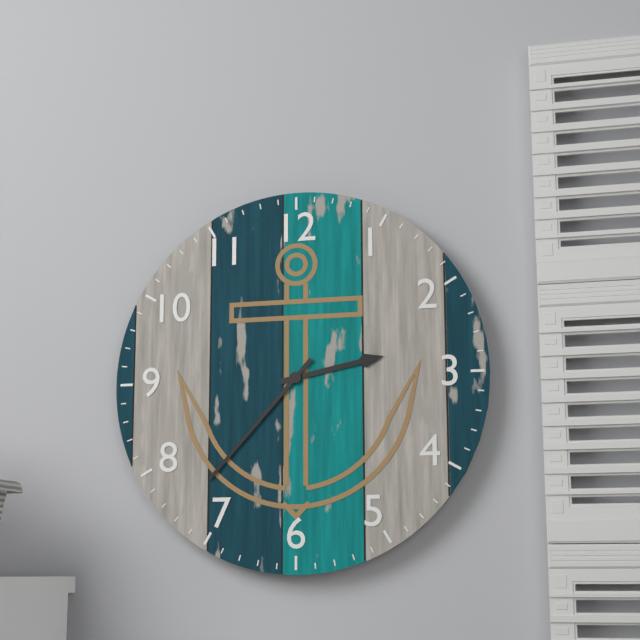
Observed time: 2:37
